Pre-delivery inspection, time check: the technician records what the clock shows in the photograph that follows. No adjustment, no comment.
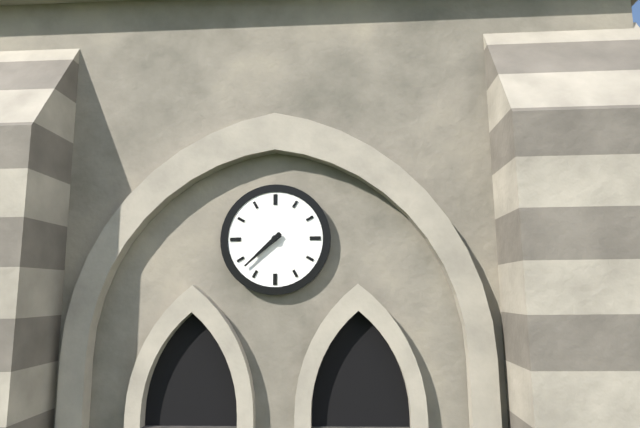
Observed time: 7:38
